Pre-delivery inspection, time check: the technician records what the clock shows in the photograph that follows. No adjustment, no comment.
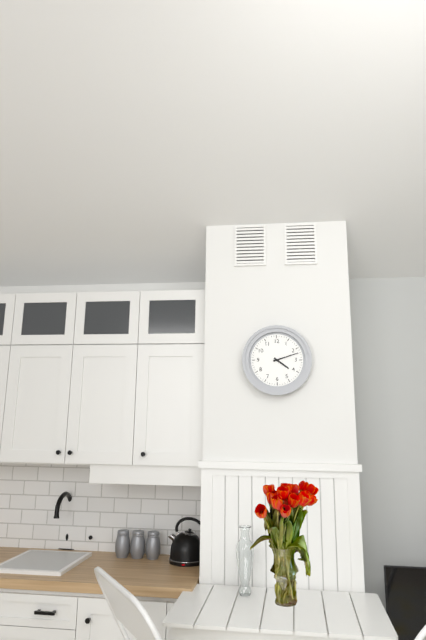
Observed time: 4:12
